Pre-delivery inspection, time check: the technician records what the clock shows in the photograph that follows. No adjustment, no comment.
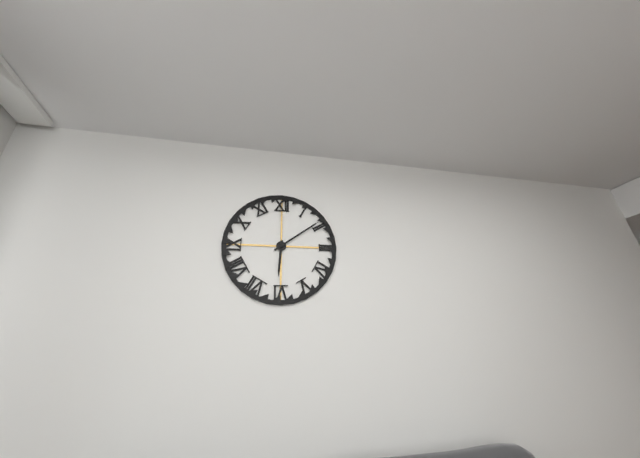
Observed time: 6:09
